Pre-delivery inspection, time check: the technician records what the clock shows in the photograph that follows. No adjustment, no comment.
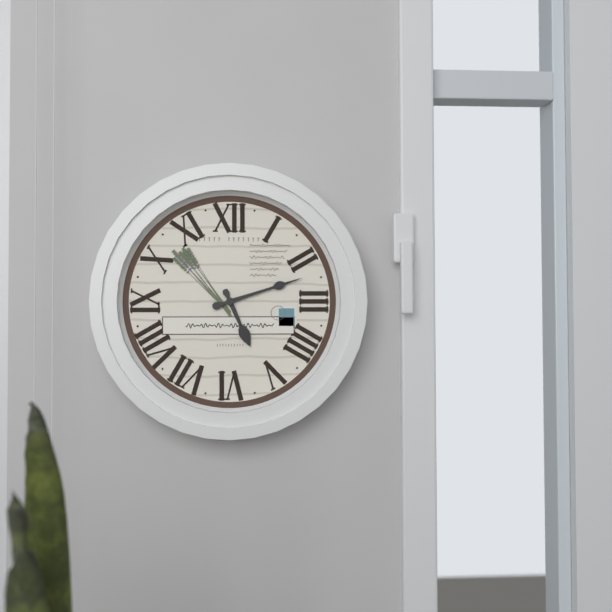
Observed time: 5:12
